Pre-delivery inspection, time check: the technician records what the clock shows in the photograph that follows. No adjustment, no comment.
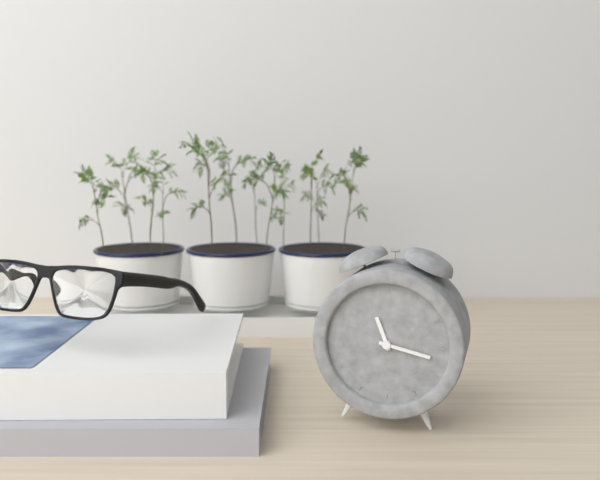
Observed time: 11:17
